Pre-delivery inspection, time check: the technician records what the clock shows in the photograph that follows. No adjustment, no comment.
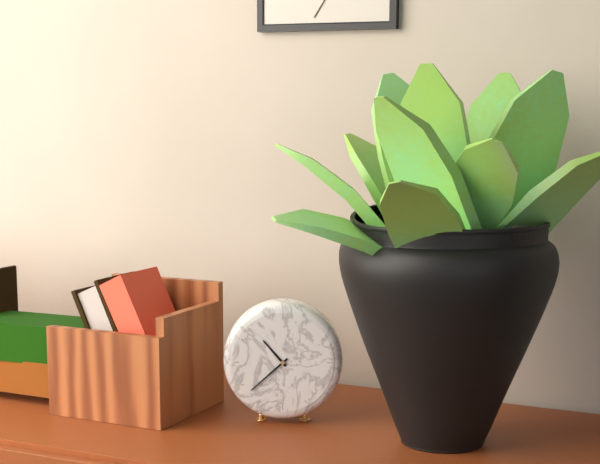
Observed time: 10:38
